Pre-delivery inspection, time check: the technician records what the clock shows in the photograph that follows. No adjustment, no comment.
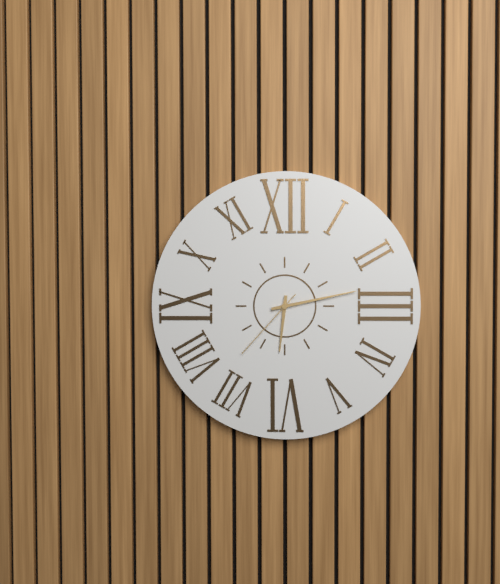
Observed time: 6:13:37
